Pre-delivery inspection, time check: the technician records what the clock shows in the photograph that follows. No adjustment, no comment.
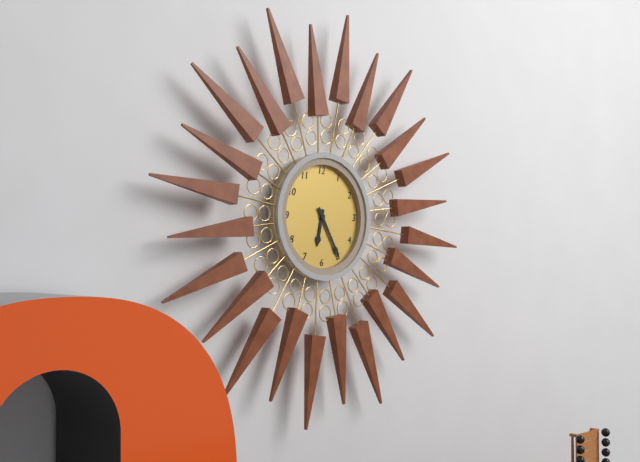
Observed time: 6:25
